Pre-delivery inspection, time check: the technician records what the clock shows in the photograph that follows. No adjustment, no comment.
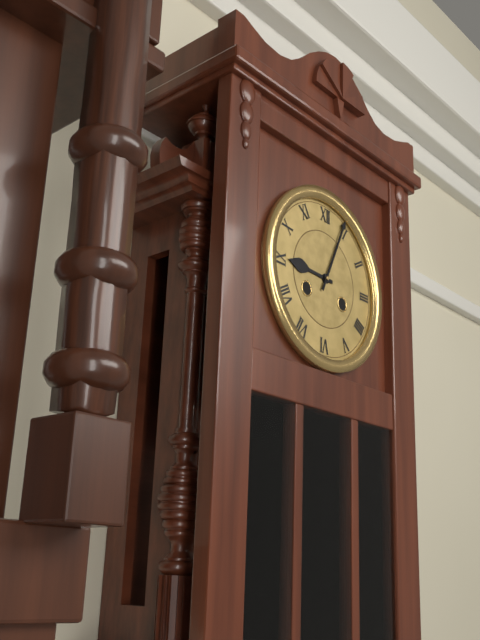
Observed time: 9:04
